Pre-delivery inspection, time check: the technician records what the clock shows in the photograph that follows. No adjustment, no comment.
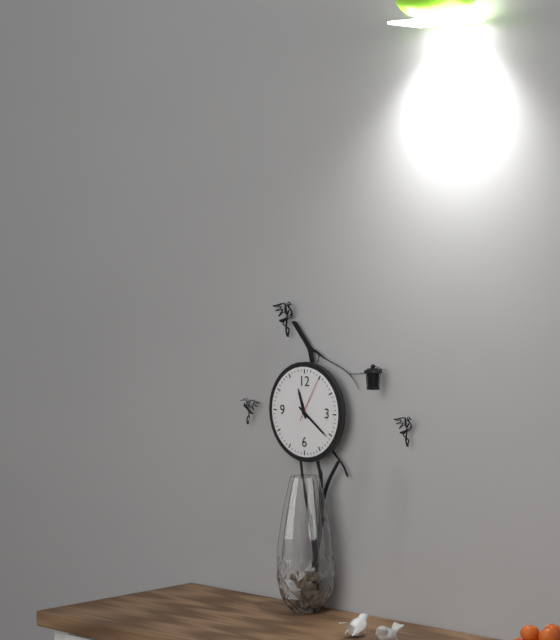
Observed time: 11:21
